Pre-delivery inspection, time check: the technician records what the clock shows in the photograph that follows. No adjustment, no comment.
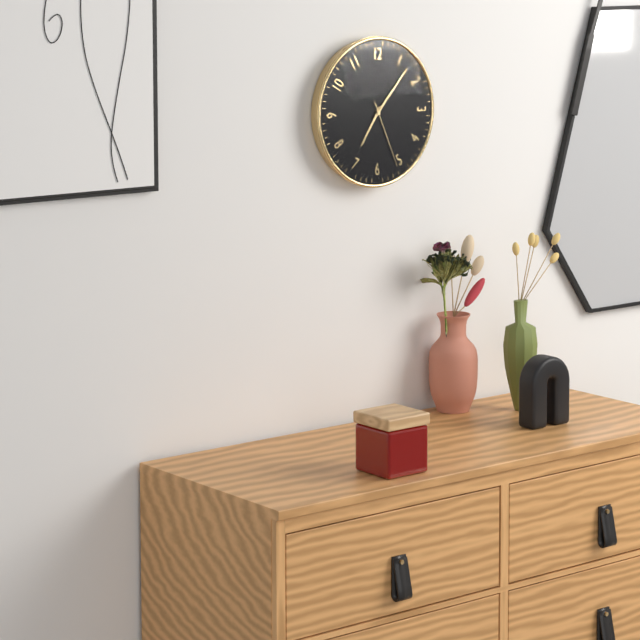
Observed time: 7:07:26
